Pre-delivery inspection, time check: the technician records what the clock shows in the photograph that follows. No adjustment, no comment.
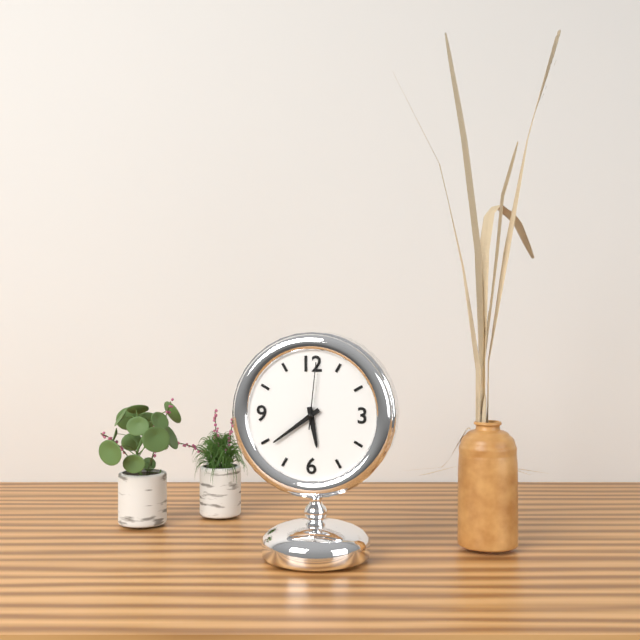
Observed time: 5:39:01
